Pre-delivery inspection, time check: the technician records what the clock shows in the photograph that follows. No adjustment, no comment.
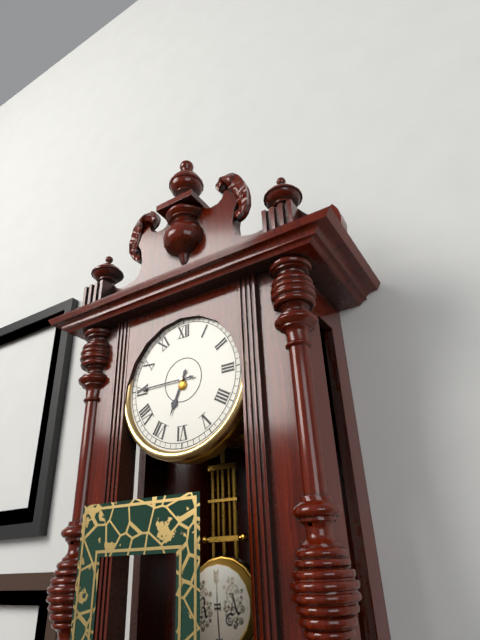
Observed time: 6:45
